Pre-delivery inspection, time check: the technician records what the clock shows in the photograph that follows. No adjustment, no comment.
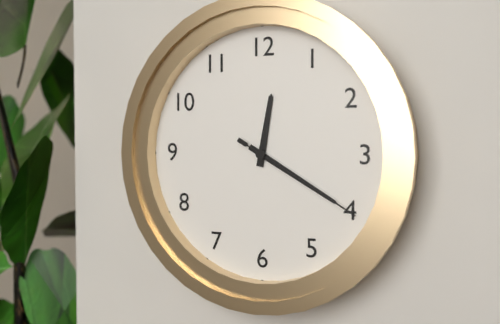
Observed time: 12:20:20
